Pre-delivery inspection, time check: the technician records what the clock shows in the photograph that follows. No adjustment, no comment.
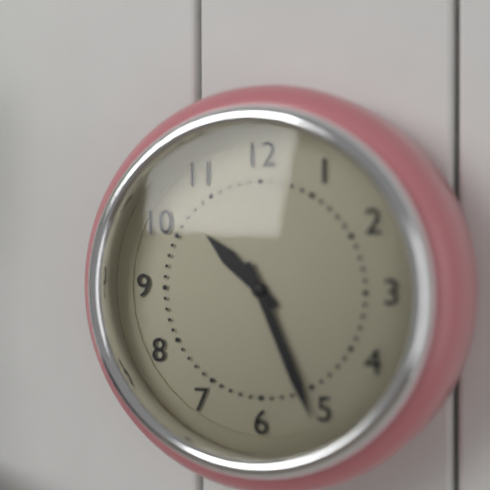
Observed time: 10:26
